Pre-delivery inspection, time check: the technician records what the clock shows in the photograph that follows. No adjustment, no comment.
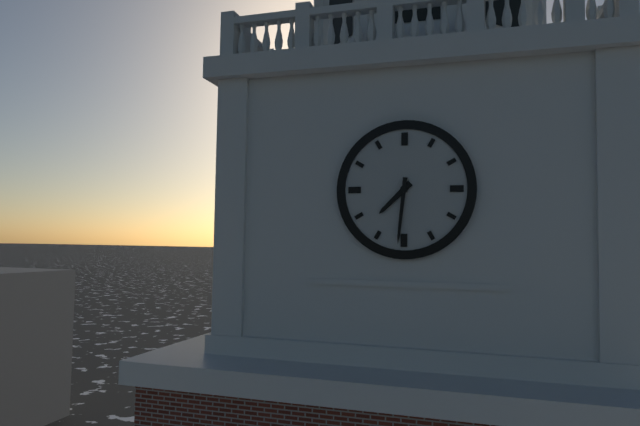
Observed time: 7:31
